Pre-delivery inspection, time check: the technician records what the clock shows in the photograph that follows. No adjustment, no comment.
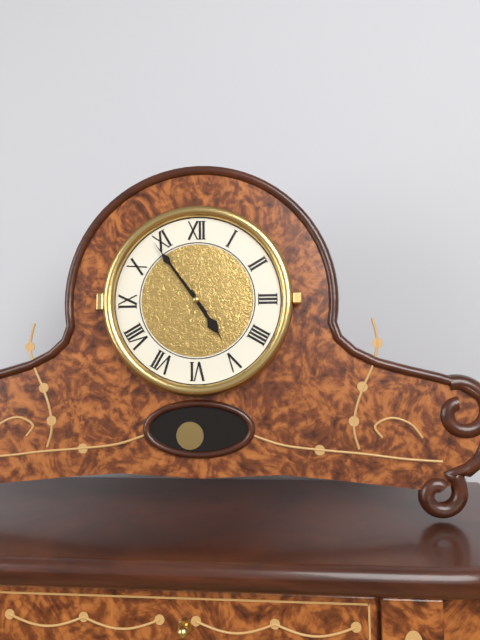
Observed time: 4:54
